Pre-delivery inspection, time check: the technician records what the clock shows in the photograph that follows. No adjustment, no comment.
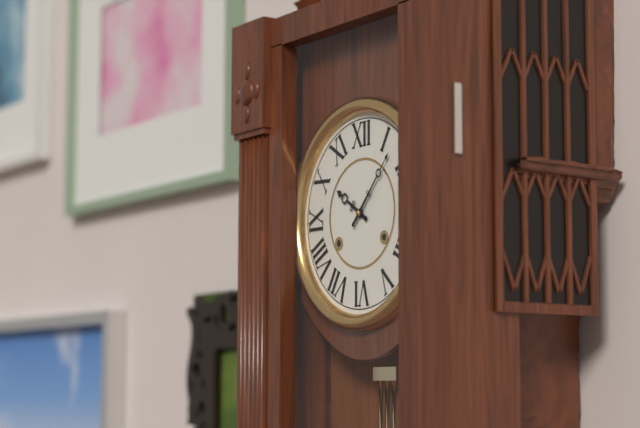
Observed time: 10:07
